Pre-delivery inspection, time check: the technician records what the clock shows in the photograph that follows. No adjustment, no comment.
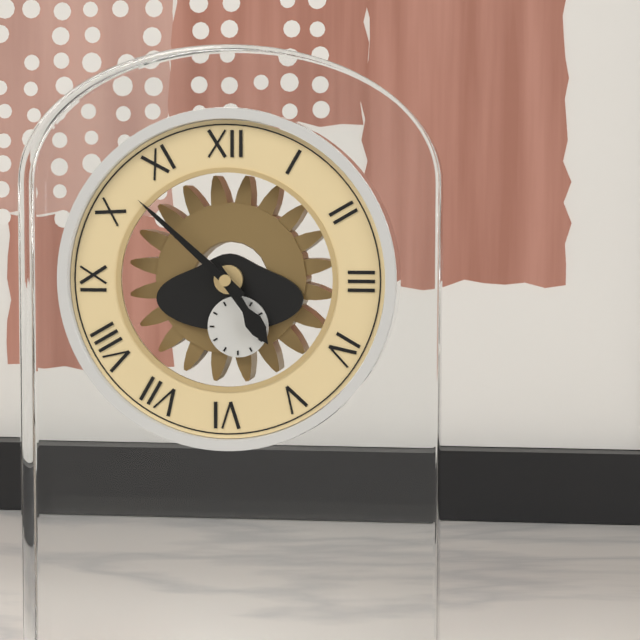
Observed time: 4:52
